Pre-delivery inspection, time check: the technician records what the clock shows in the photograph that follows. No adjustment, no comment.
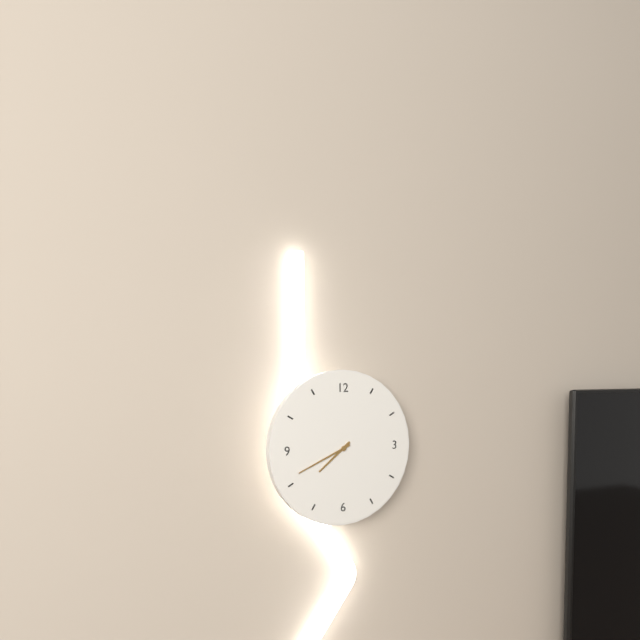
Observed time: 7:41
